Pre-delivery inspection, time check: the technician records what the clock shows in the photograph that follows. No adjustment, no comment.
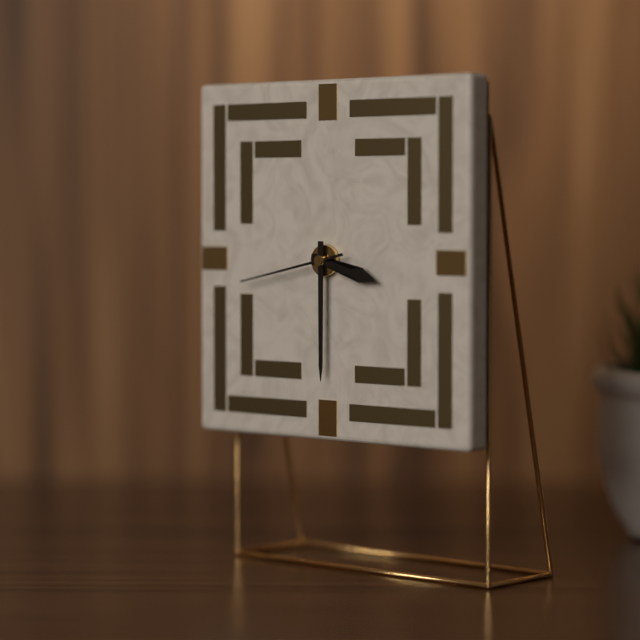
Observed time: 3:30:43
